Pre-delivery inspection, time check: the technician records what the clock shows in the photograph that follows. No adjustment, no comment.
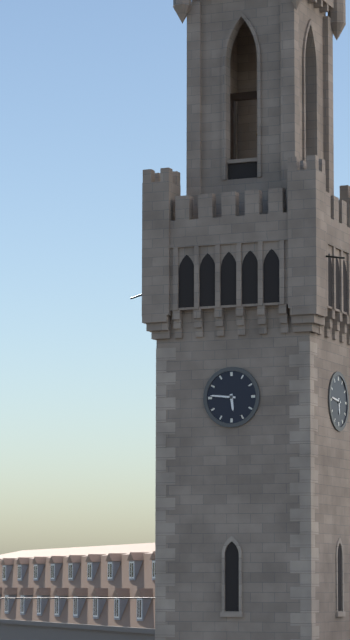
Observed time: 5:46
